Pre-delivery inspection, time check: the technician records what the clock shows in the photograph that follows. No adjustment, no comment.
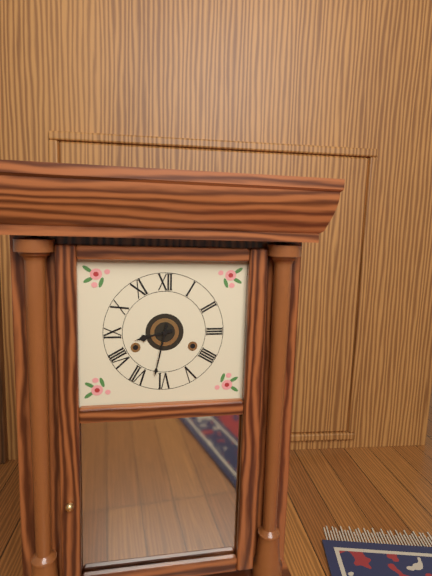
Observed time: 8:32
